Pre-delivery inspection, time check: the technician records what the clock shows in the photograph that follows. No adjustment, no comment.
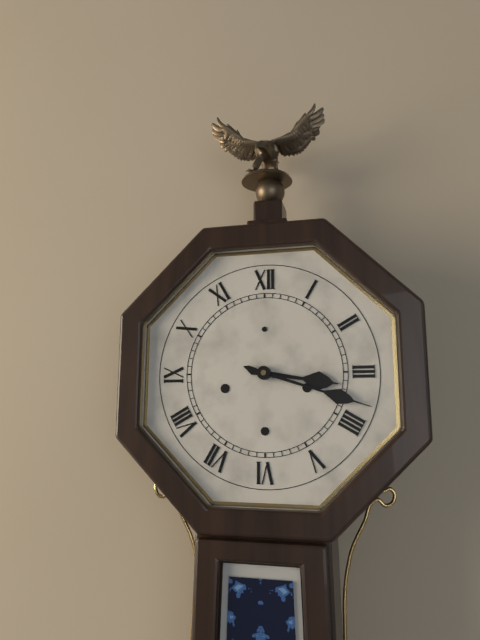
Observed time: 3:18
